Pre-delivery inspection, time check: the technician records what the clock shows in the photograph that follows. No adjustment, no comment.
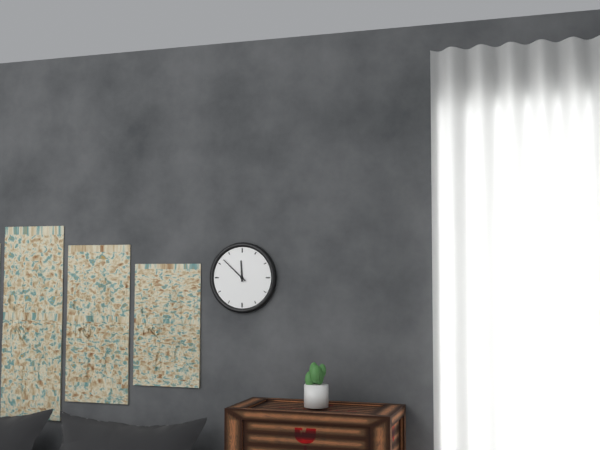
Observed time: 11:52
